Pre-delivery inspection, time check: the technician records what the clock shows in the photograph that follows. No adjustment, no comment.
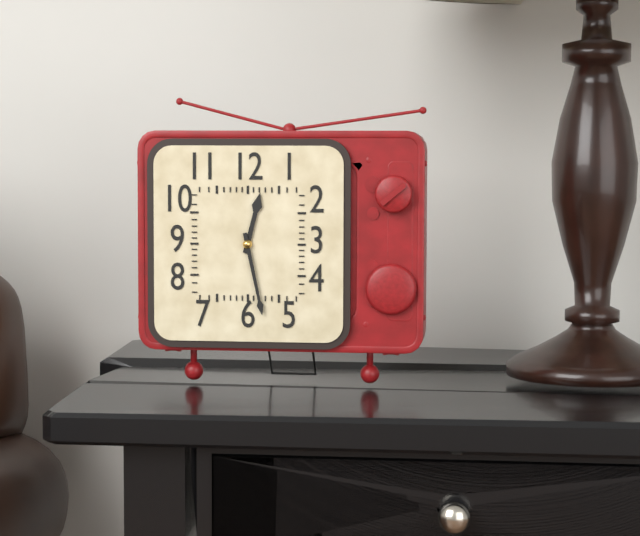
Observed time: 12:28
